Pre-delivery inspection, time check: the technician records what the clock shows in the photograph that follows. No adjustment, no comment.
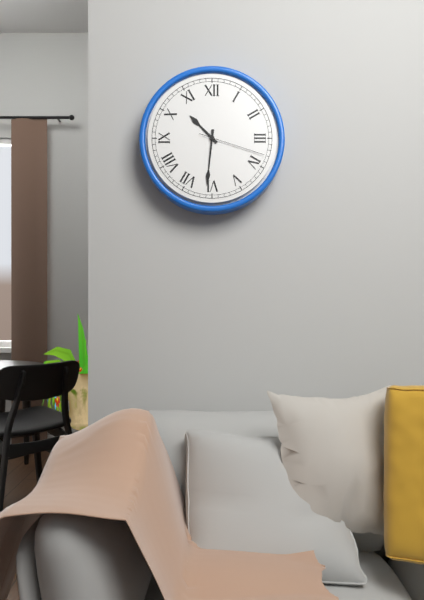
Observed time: 10:31:18
